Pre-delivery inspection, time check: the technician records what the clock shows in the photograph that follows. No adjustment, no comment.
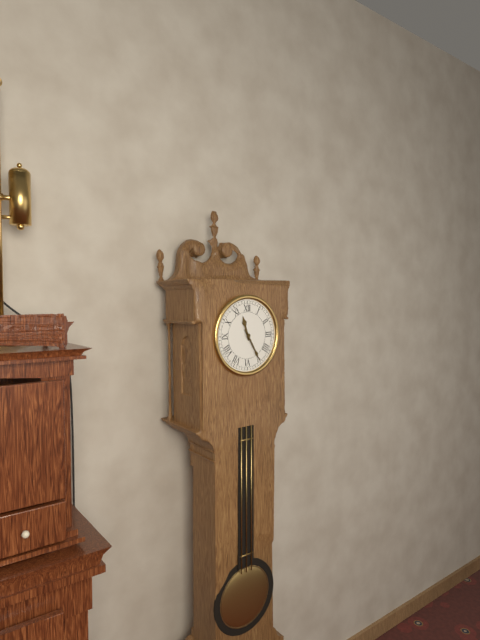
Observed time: 11:25
